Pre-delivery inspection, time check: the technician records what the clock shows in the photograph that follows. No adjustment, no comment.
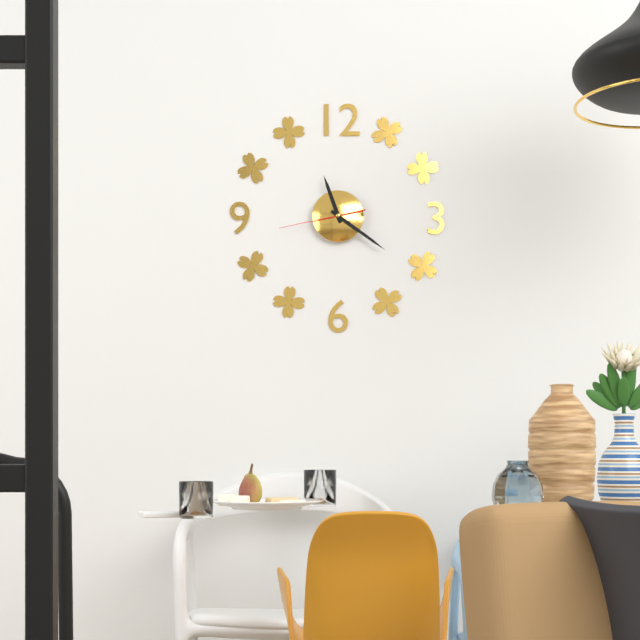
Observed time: 11:21:43
